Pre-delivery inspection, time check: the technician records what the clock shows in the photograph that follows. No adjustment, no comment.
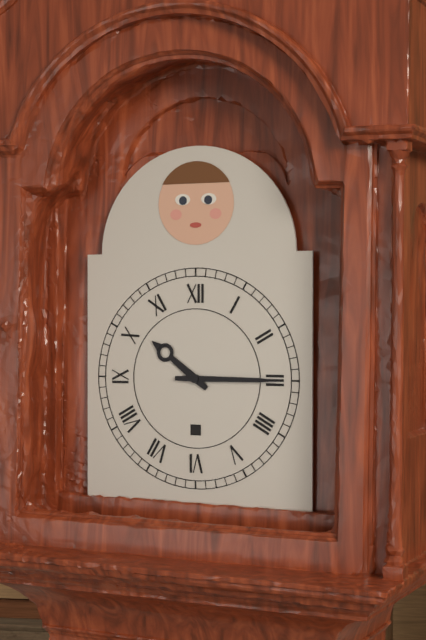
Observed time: 10:15
